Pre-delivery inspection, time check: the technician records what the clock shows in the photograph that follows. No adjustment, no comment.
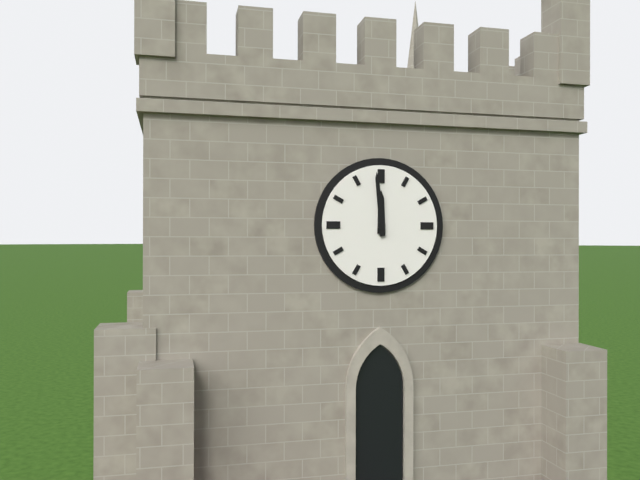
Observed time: 11:59
